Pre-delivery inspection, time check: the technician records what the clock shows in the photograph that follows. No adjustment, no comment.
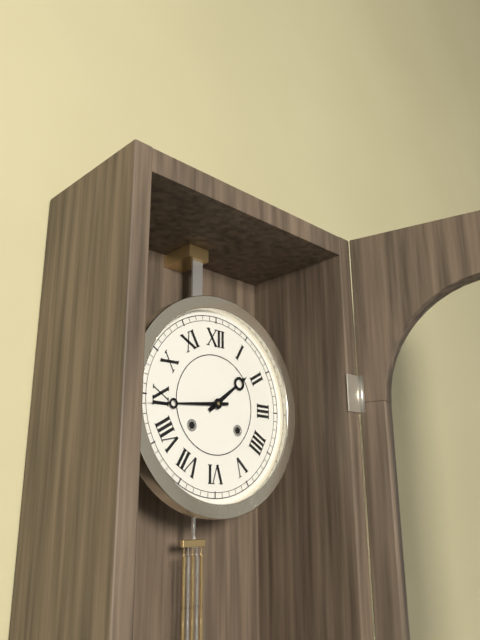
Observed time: 1:44
